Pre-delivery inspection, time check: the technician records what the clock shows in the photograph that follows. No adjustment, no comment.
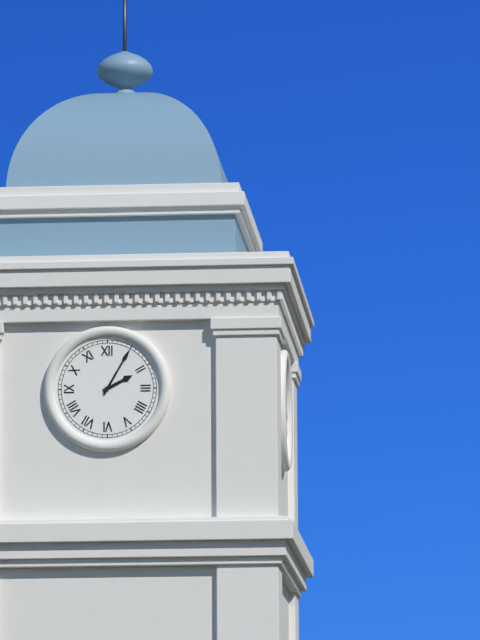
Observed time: 2:05
